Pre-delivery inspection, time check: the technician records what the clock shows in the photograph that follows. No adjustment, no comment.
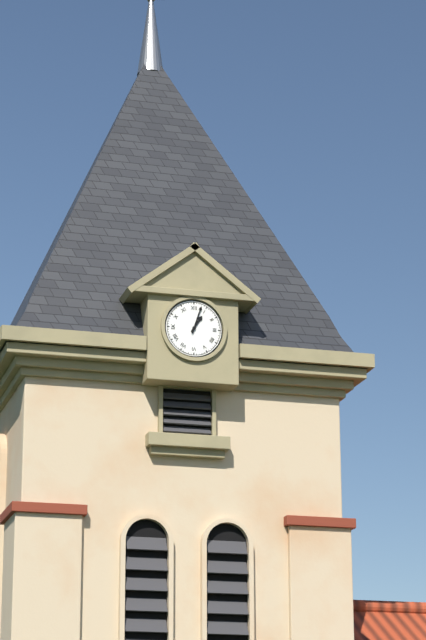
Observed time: 1:03
